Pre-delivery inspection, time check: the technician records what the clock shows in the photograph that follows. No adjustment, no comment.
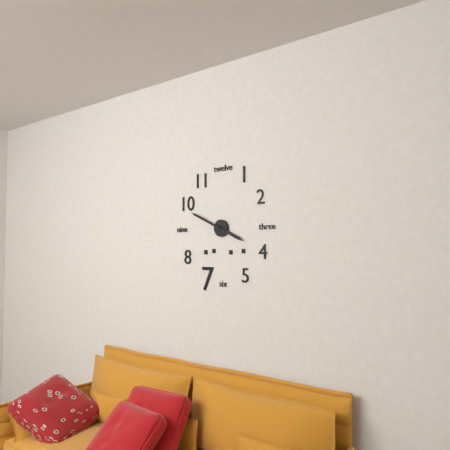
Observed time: 3:49
